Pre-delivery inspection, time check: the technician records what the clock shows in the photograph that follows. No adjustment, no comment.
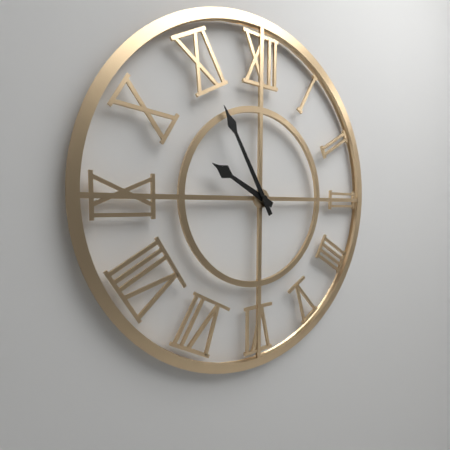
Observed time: 9:55
